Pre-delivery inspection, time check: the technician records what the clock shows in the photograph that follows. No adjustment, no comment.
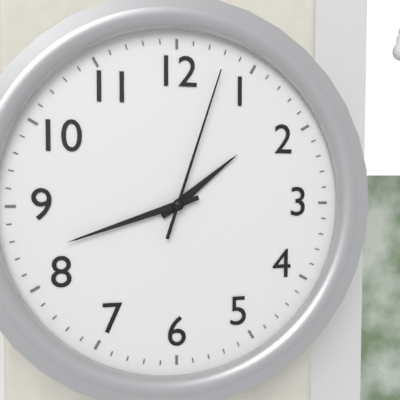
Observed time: 1:42:03
